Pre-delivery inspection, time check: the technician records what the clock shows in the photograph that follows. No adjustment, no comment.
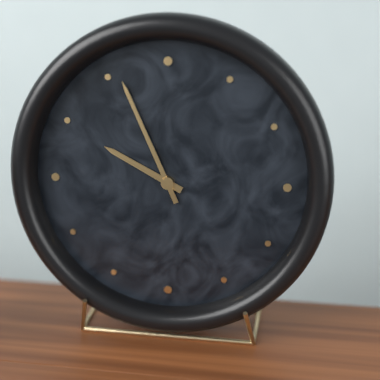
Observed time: 9:56
